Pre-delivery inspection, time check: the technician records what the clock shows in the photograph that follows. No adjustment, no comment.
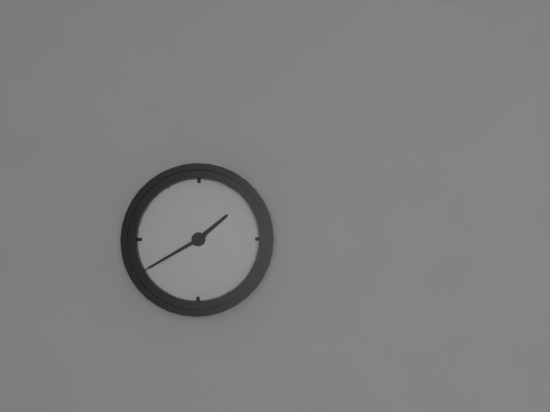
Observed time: 1:40
